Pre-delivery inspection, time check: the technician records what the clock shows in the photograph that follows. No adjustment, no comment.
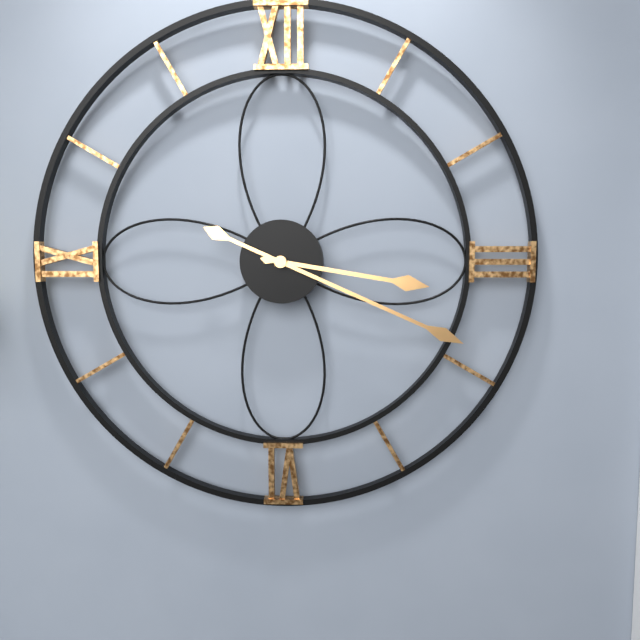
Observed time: 3:19
